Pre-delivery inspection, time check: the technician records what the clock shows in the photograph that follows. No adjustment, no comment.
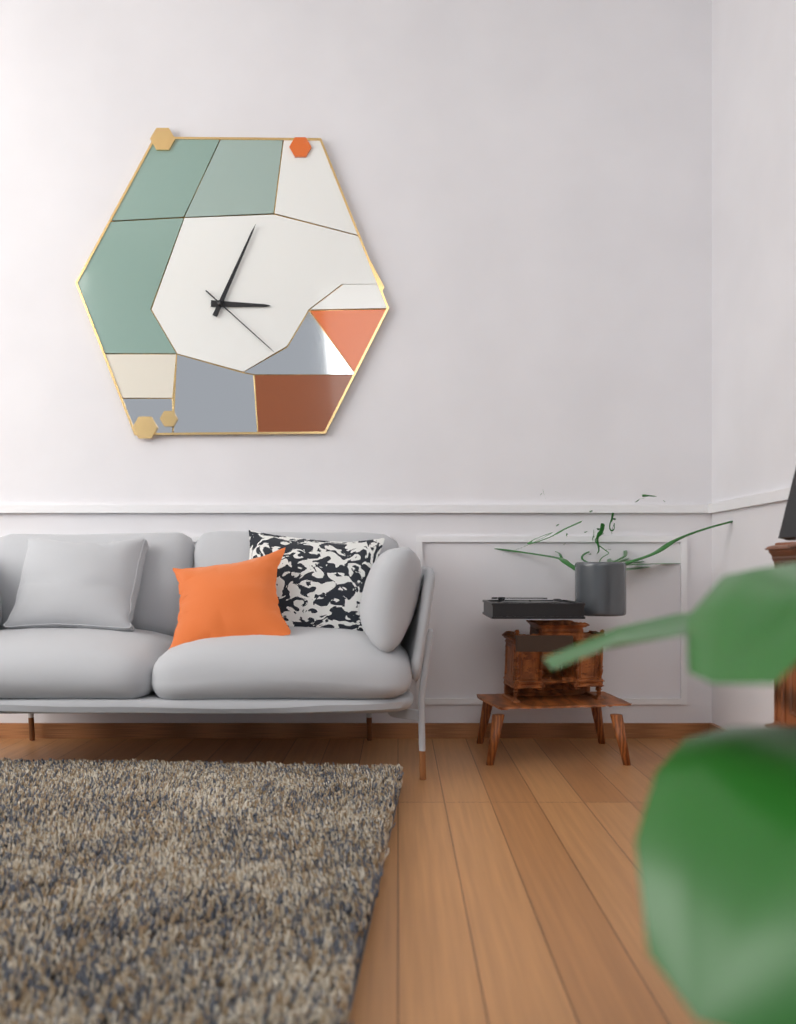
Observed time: 3:04:22
